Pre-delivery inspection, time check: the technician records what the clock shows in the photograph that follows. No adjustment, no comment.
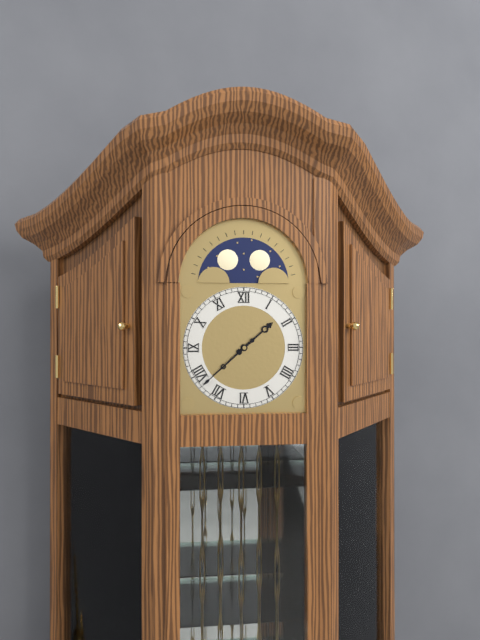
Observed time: 1:38
